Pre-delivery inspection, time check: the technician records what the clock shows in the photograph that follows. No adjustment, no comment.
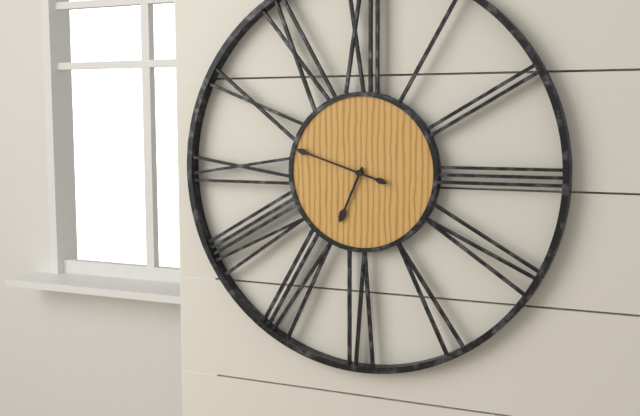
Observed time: 6:48
